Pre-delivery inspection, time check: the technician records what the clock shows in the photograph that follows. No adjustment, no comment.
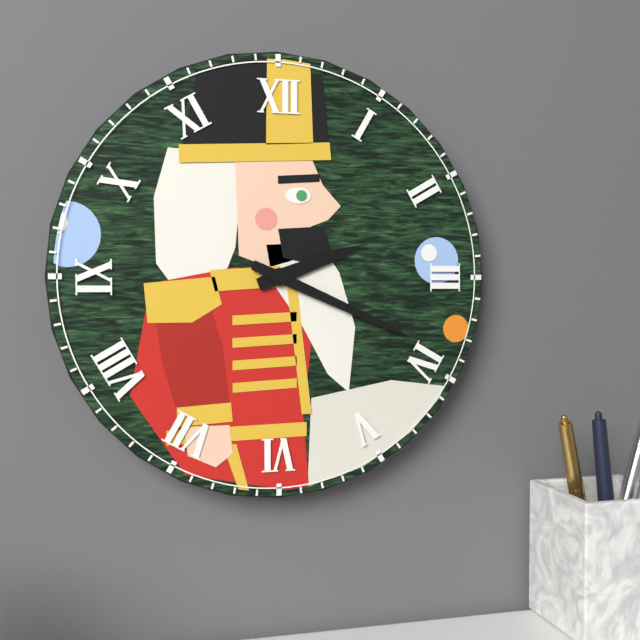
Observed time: 2:19
